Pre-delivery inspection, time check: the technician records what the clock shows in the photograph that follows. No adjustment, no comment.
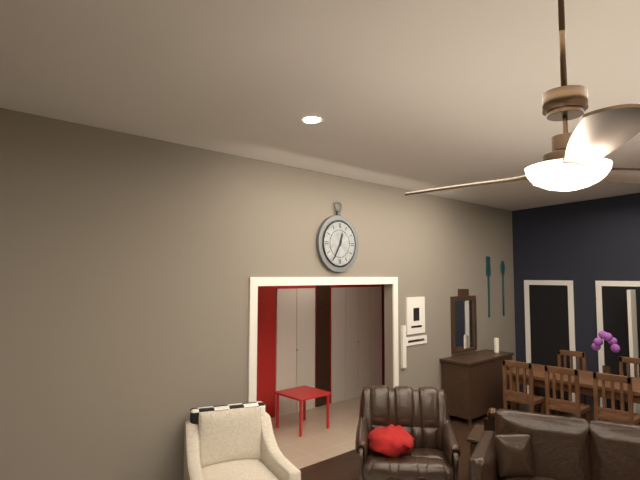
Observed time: 12:35
